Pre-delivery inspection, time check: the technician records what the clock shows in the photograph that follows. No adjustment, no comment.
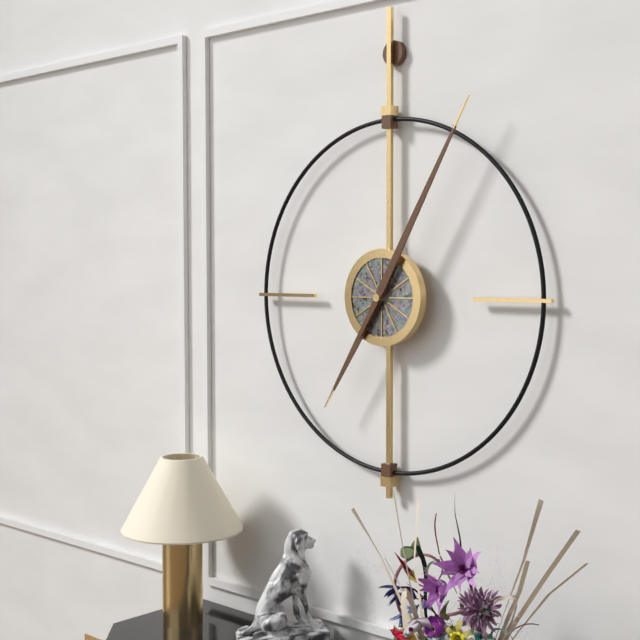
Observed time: 7:05
